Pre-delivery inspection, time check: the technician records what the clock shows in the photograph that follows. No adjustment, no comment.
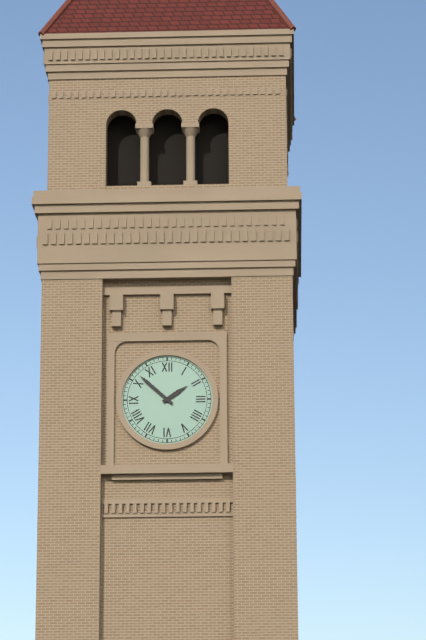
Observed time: 1:52
